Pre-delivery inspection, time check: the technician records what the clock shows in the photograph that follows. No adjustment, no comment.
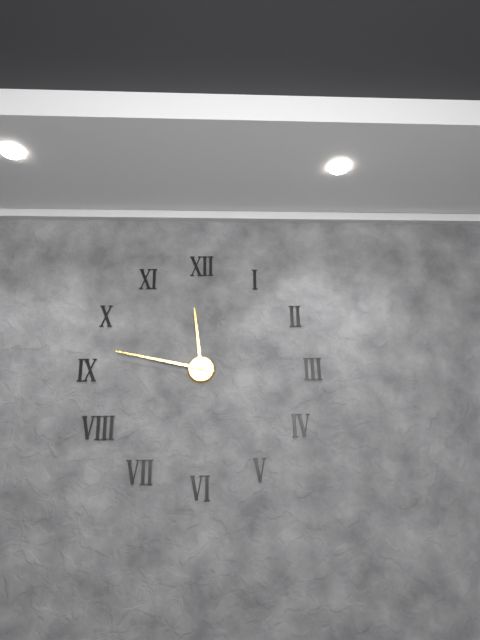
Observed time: 11:47
